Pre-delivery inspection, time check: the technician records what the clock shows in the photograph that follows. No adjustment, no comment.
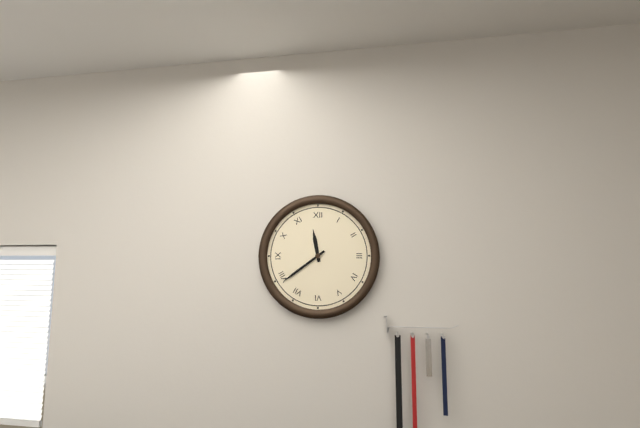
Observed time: 11:39
